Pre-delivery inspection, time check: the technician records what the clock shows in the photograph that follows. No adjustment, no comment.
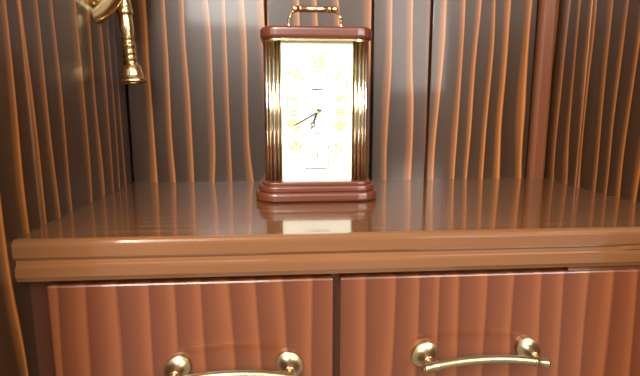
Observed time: 6:40
